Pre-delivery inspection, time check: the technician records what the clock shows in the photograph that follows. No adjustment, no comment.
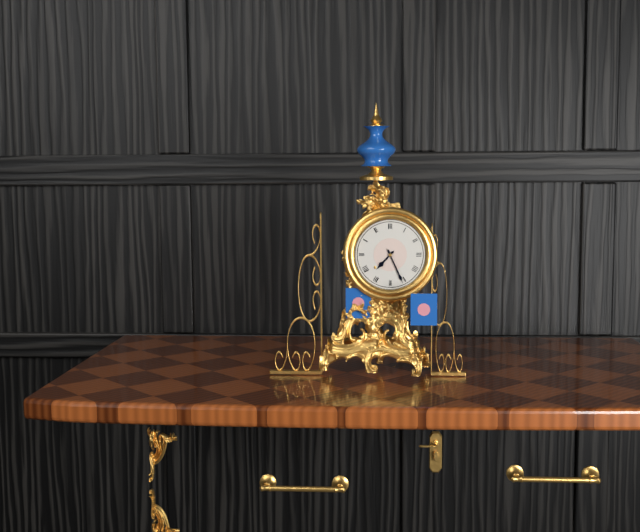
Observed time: 7:26
